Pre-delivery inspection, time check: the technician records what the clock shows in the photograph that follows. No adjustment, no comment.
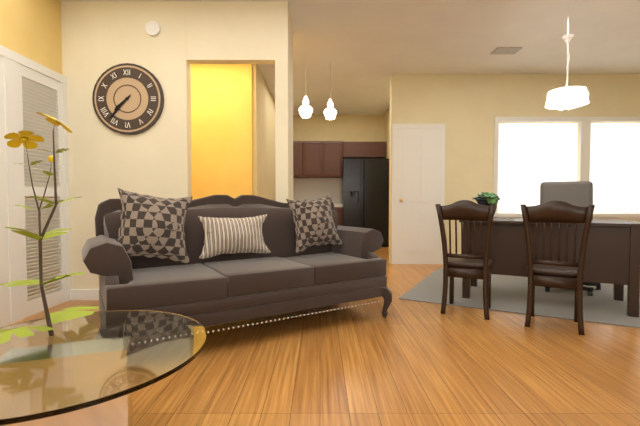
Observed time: 7:37
